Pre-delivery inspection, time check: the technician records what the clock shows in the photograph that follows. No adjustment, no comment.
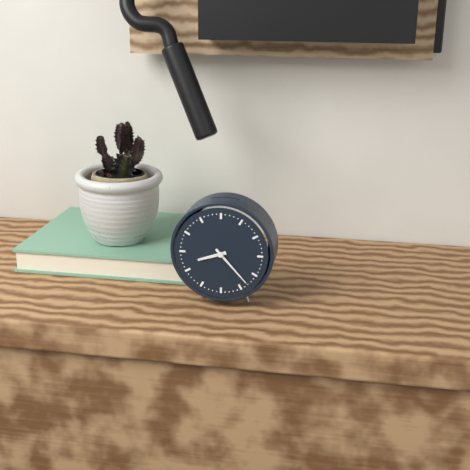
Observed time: 8:23
